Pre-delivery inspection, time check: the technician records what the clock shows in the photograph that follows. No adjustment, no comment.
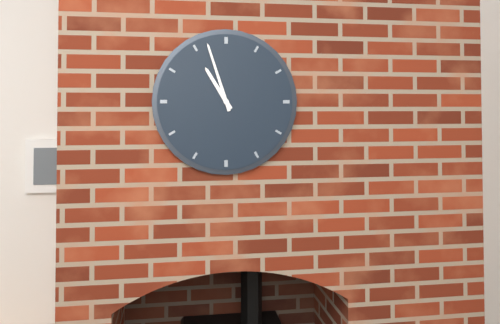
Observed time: 10:57
